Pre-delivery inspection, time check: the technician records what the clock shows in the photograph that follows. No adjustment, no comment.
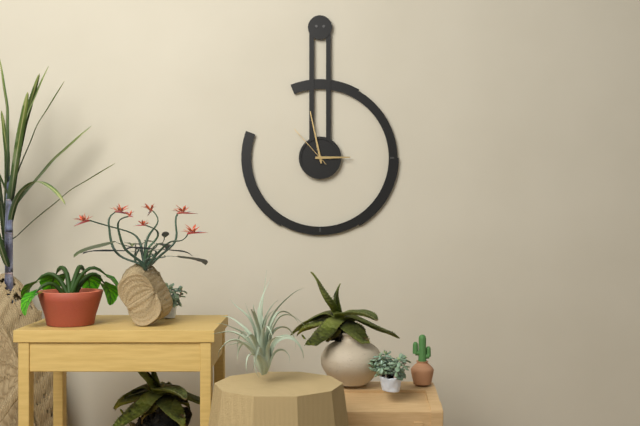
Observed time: 2:58
